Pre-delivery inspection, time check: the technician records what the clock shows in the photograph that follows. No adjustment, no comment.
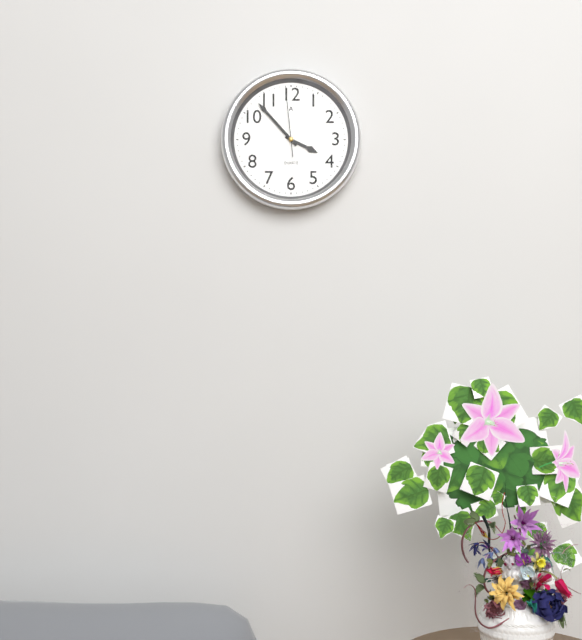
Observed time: 3:53:59
